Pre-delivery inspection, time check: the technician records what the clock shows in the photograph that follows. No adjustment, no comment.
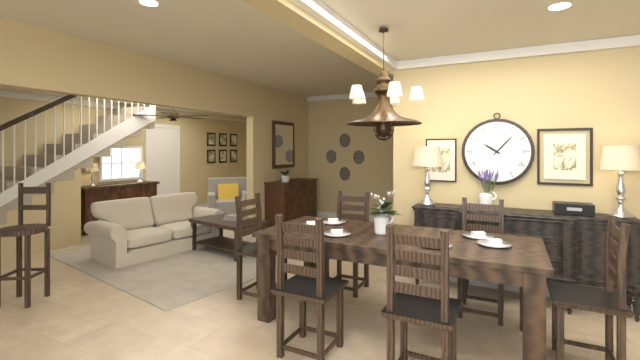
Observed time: 10:07
